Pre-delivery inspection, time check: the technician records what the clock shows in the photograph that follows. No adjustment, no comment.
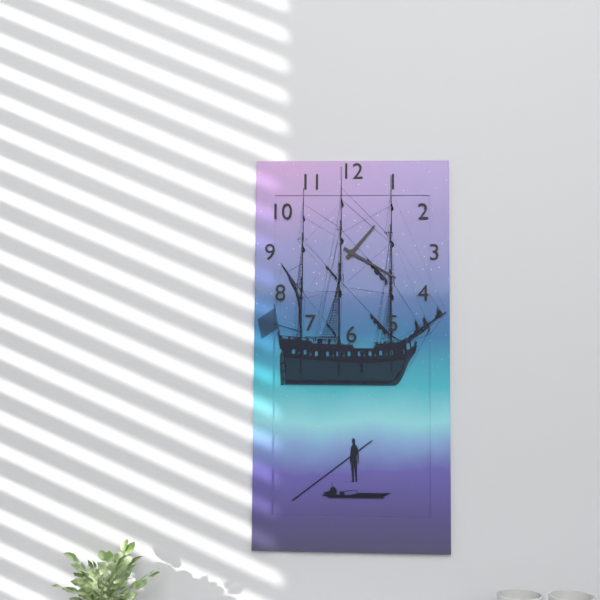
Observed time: 1:20
